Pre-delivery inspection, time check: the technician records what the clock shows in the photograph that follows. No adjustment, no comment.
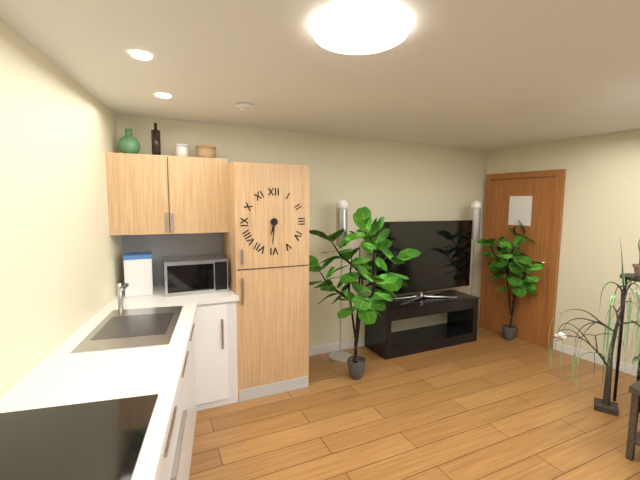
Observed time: 6:31
